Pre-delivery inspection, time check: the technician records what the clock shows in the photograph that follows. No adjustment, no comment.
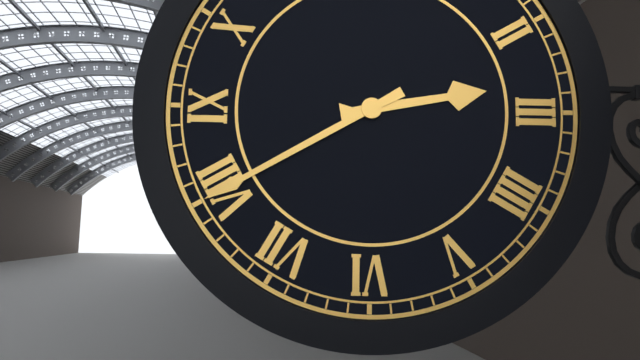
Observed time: 2:40
